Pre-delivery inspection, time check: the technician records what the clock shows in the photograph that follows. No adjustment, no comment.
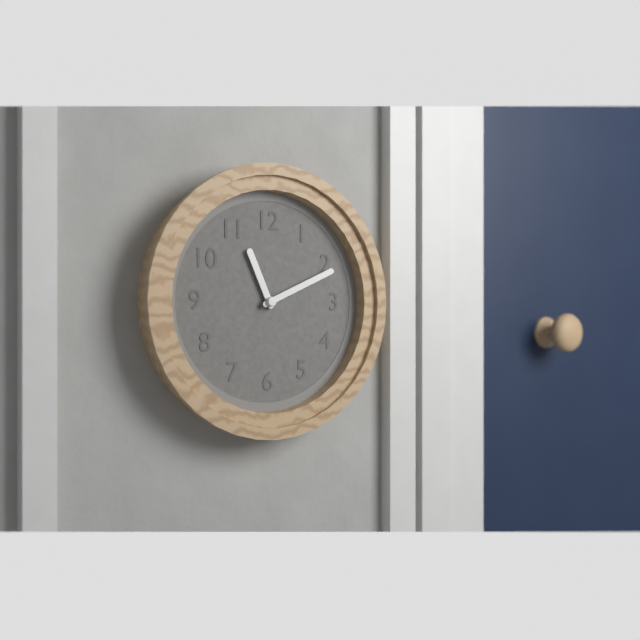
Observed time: 11:11
